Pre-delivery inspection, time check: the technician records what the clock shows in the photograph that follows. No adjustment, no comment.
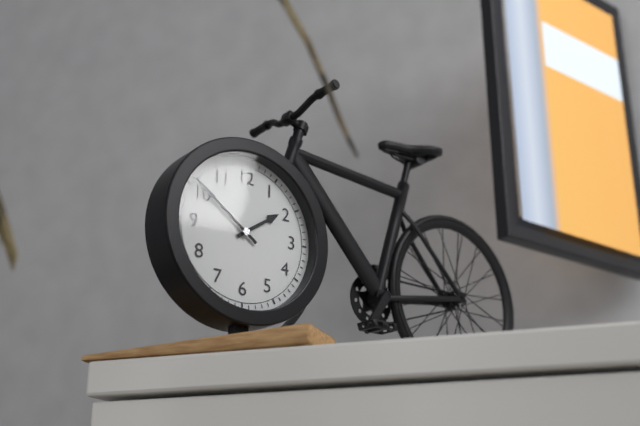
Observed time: 1:51
